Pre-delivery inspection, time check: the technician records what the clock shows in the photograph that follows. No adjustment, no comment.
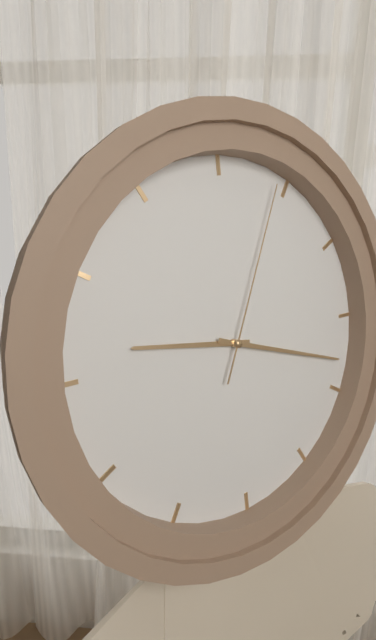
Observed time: 9:18:04
